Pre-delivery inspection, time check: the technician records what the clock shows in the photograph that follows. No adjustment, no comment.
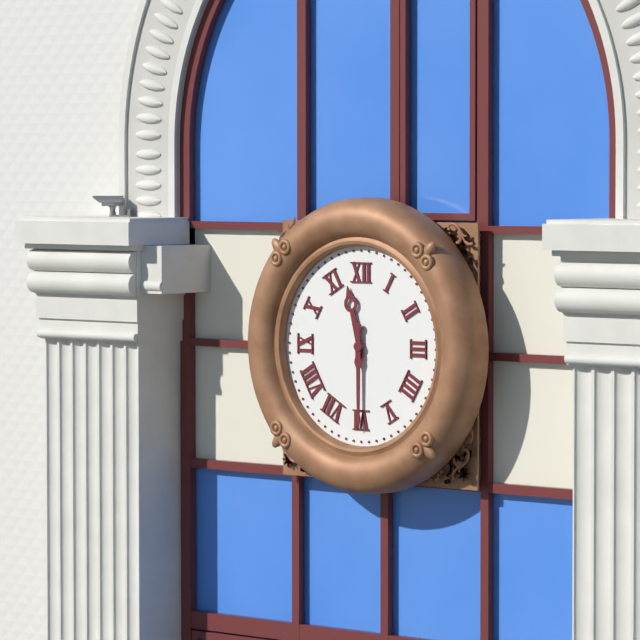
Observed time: 11:30
